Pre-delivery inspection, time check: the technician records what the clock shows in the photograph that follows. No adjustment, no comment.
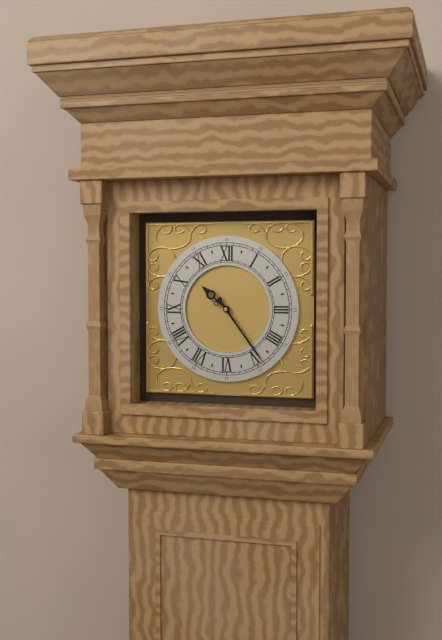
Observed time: 10:24
